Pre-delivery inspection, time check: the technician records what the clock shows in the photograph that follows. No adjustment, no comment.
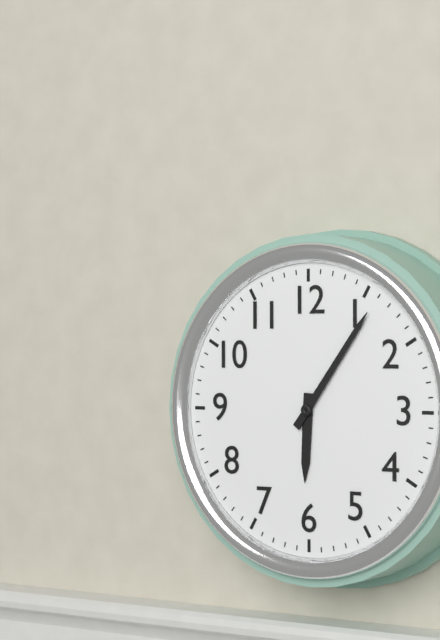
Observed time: 6:06
